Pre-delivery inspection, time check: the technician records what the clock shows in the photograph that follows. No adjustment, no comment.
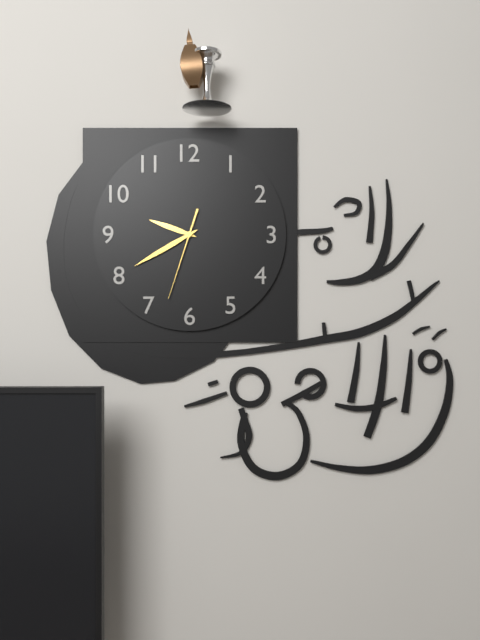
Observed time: 9:40:33
